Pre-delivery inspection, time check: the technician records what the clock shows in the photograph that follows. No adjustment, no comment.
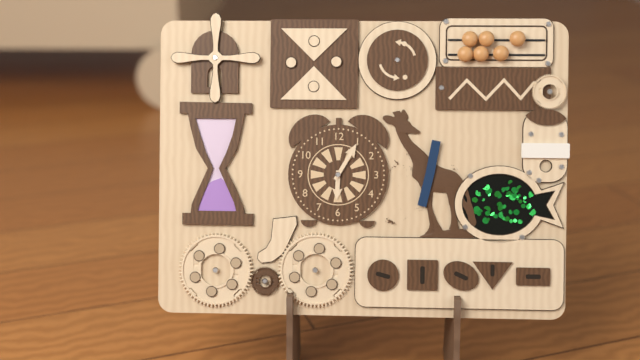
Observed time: 6:05
